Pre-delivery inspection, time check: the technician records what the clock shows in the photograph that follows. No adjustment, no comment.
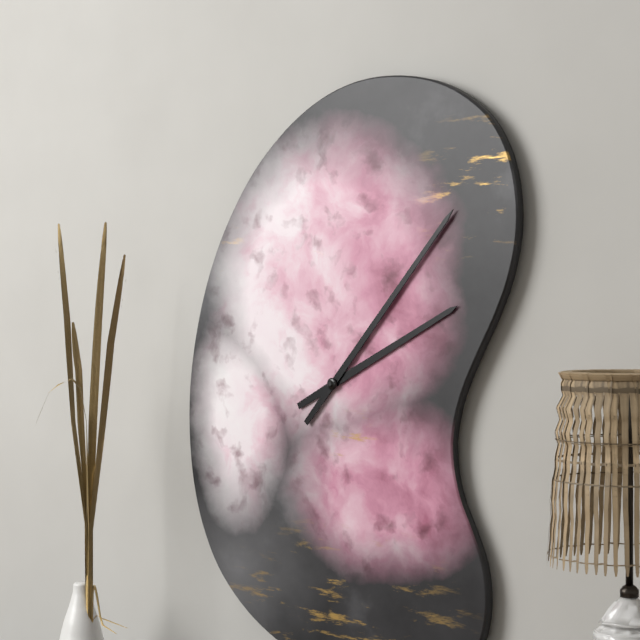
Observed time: 2:07
